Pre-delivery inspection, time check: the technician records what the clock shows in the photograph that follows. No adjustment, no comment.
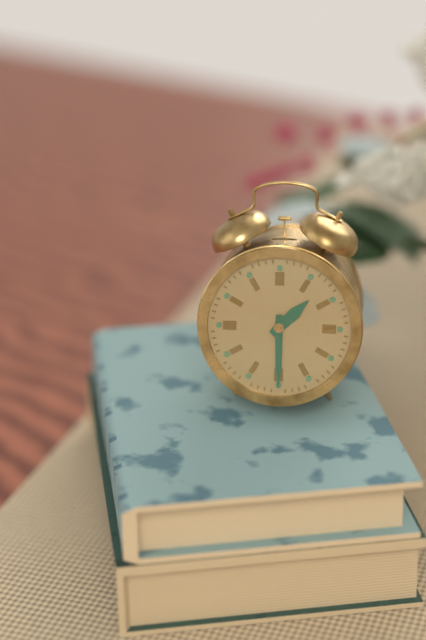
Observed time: 1:30
